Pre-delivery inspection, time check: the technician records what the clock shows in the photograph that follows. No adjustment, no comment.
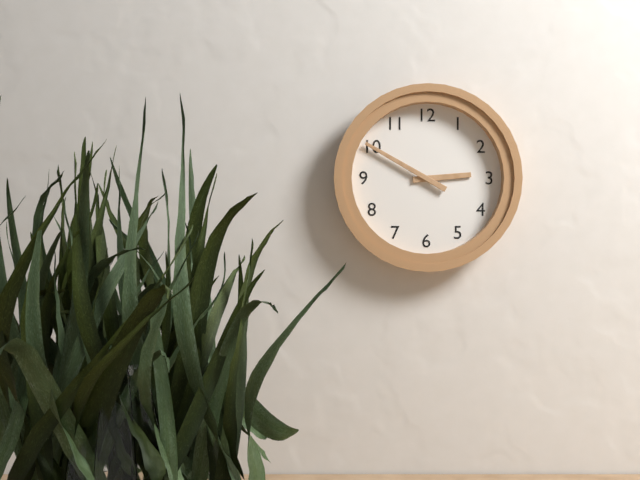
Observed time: 2:50
